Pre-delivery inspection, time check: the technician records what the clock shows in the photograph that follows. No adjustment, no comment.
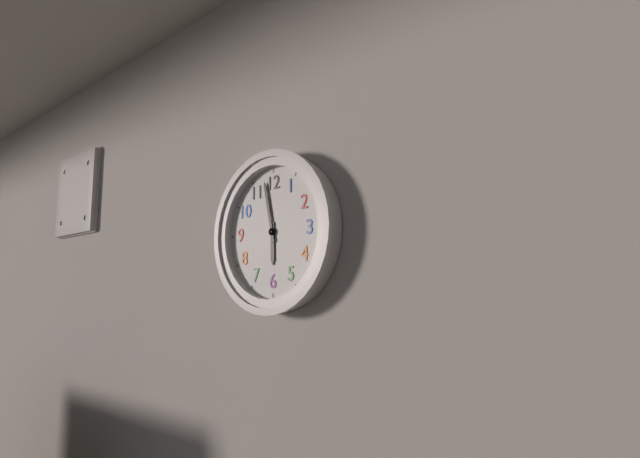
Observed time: 5:58
